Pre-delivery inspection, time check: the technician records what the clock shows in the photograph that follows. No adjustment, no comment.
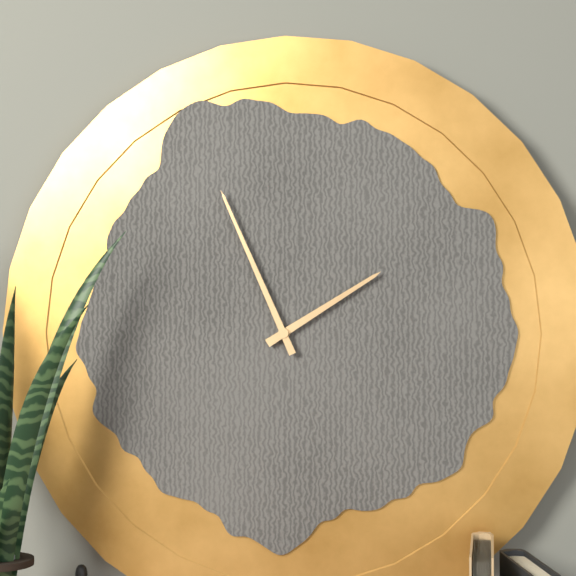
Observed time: 1:56
